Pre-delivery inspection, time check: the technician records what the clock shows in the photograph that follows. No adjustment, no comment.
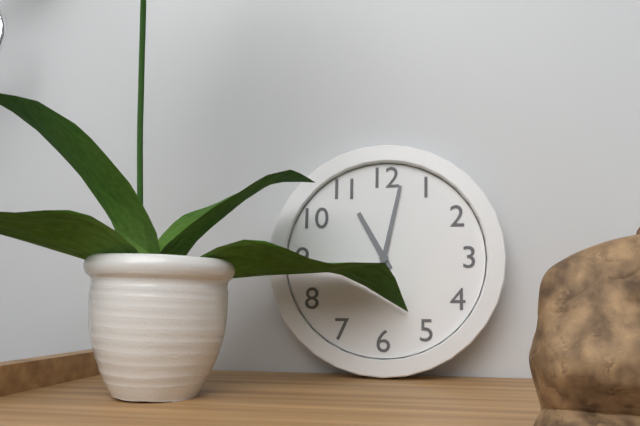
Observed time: 11:02
